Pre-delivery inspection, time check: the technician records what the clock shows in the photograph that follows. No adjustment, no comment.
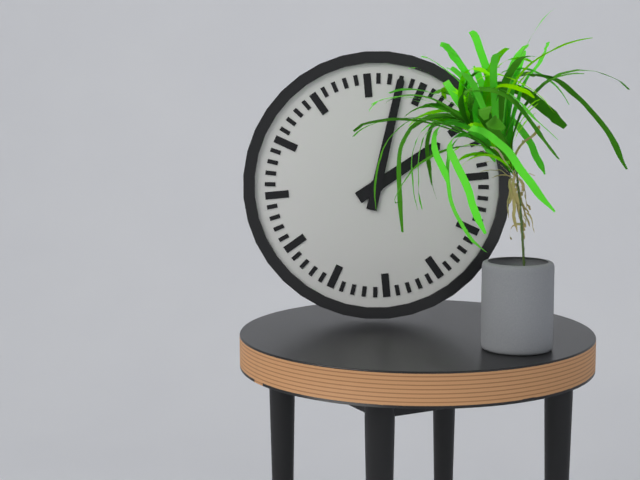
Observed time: 2:03
